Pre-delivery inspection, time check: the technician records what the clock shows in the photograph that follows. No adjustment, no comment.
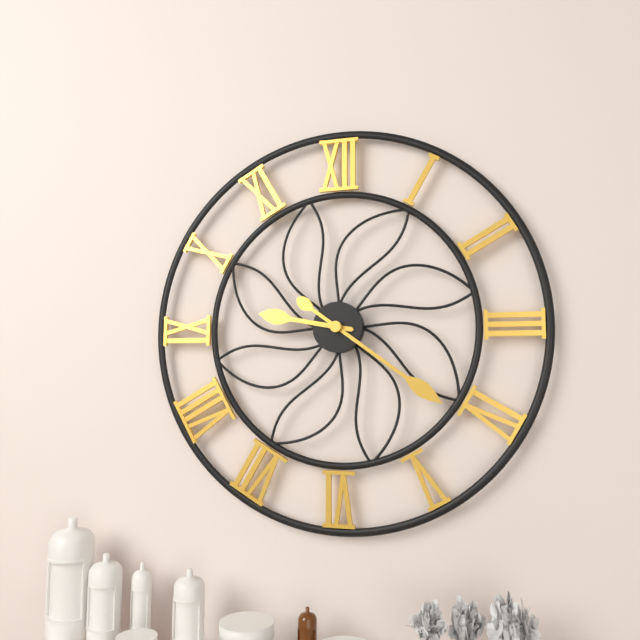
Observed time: 9:21
